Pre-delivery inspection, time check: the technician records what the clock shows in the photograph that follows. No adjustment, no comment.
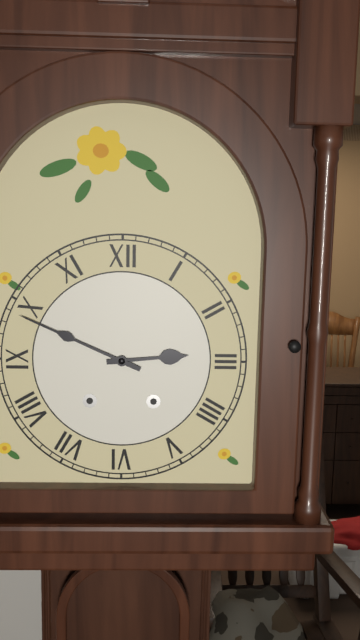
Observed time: 2:49
